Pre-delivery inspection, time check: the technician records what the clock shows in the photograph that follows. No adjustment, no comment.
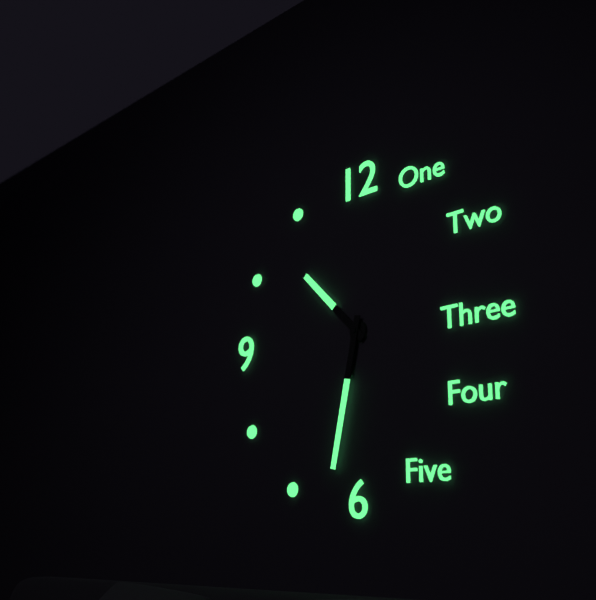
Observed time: 10:32
